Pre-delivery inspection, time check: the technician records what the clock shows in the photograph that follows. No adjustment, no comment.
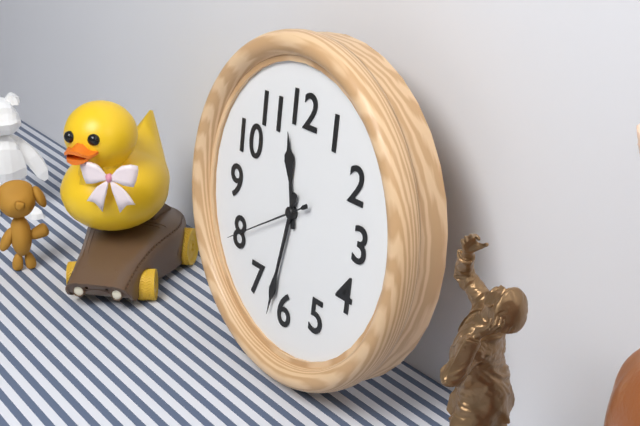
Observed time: 11:32:40
